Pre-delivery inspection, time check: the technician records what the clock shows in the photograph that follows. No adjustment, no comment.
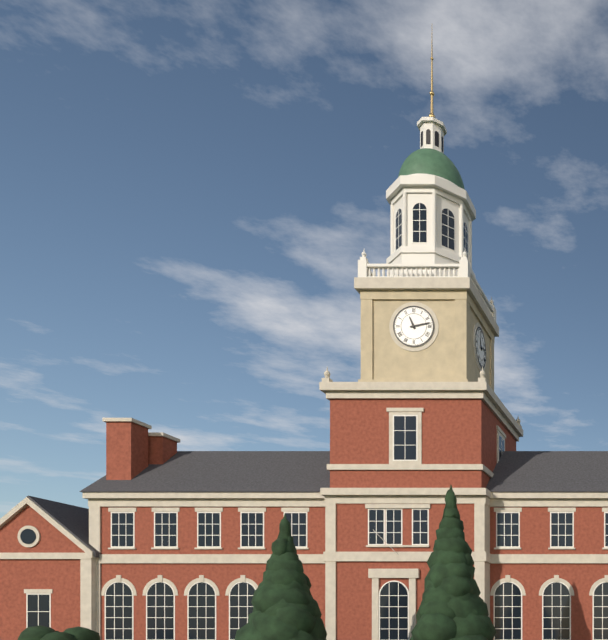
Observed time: 11:13
